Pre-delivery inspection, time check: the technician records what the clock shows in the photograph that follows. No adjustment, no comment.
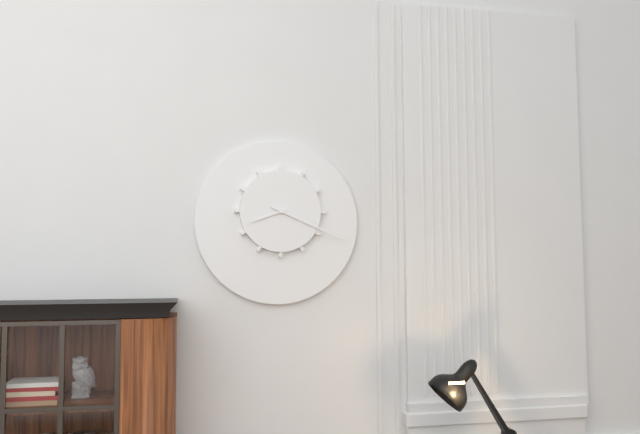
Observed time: 8:19
